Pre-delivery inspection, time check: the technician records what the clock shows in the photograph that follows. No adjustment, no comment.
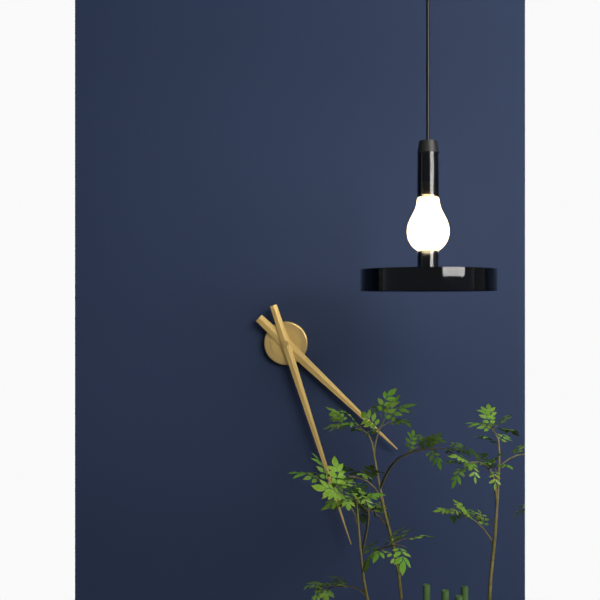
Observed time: 4:27
